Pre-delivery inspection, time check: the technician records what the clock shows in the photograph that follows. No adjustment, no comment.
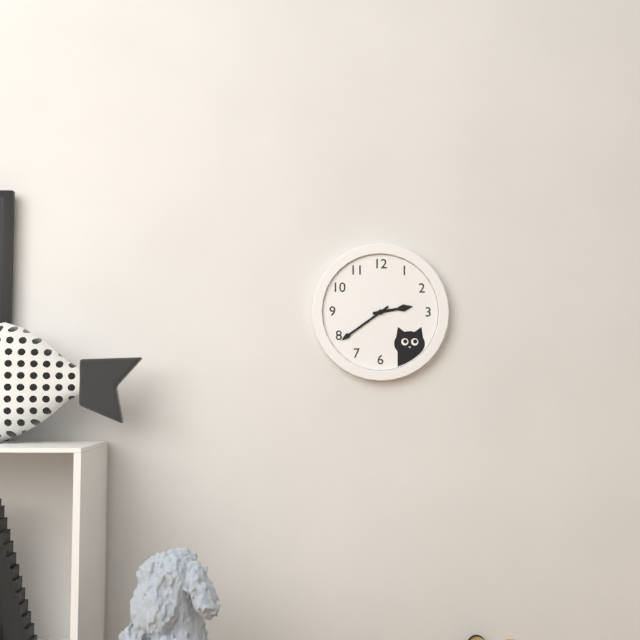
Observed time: 2:39
